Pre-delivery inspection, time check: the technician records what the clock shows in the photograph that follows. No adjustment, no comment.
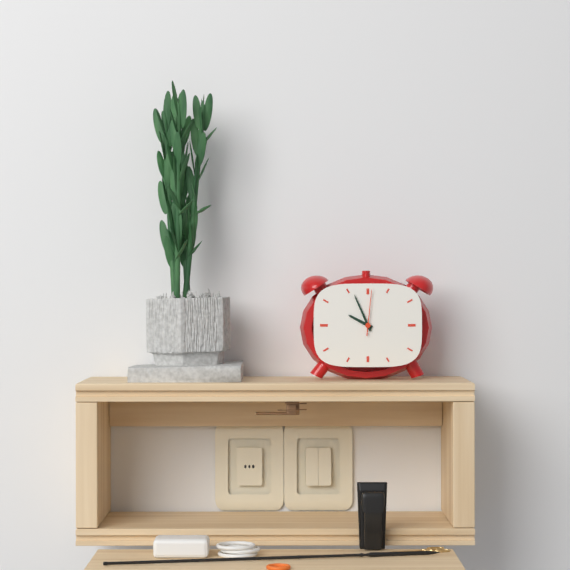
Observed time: 9:56
